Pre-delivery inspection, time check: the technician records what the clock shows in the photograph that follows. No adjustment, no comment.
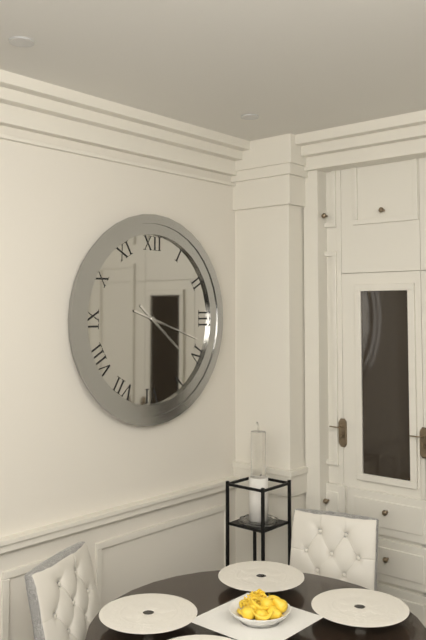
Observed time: 4:18
